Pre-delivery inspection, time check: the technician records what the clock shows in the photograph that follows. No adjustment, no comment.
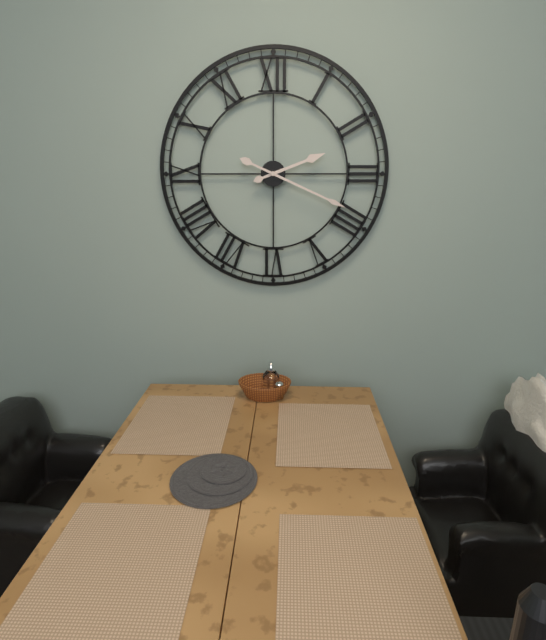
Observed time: 2:19
